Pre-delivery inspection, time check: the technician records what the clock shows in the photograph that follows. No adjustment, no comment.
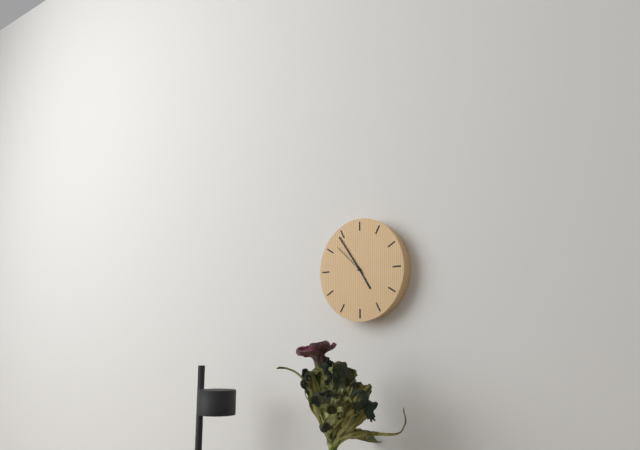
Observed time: 4:54
